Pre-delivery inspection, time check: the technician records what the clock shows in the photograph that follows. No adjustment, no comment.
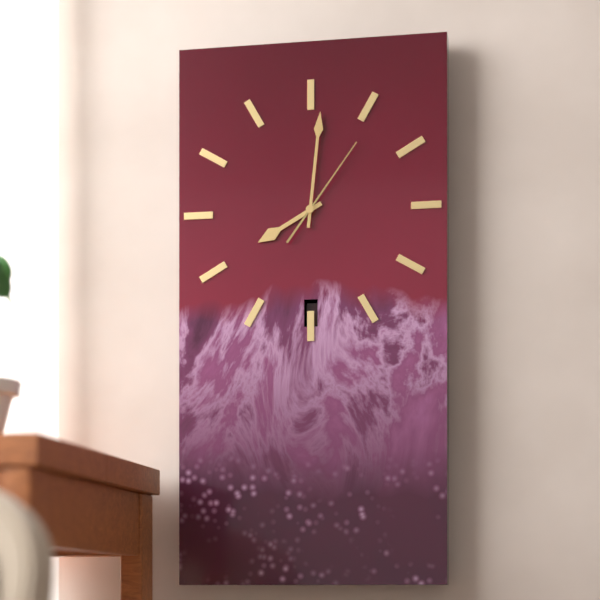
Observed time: 8:01:06
